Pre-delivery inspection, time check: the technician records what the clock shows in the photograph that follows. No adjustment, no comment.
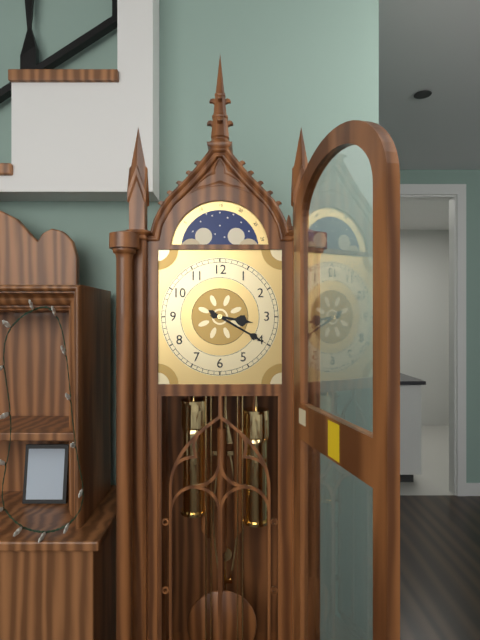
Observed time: 3:20
